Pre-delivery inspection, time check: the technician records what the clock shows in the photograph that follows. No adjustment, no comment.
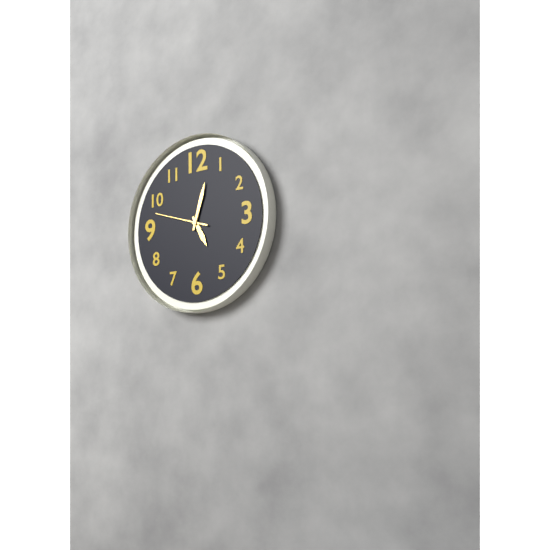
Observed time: 5:03:48
